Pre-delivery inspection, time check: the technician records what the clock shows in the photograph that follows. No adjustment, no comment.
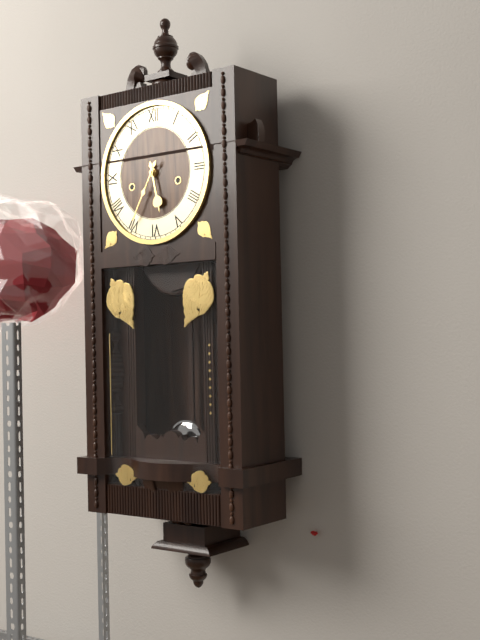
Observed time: 5:35
